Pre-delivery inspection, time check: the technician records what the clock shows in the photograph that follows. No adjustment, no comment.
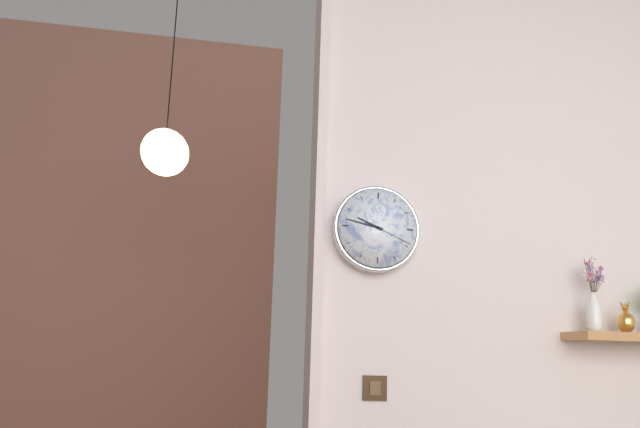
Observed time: 9:47
